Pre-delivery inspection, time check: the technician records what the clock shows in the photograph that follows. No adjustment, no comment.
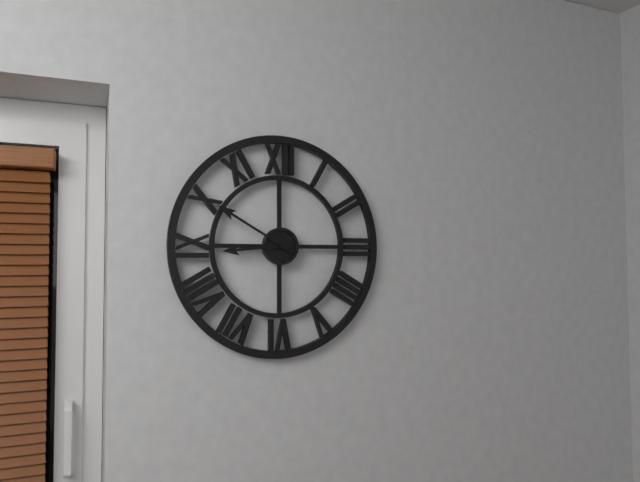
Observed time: 8:50
